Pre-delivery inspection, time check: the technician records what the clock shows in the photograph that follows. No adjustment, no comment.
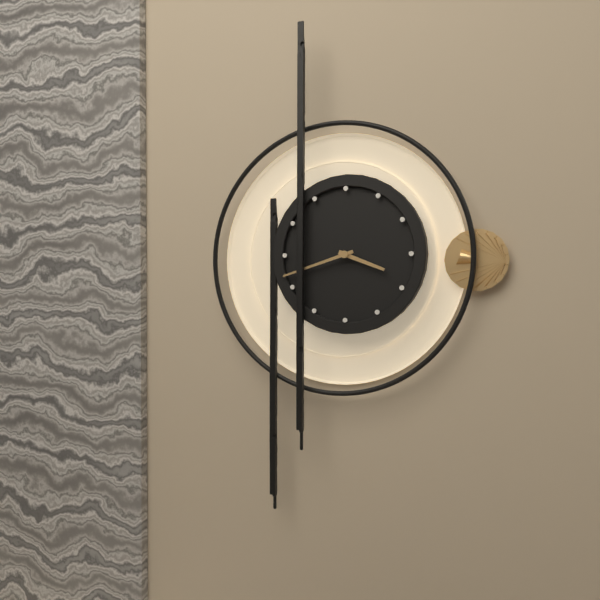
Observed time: 3:42
